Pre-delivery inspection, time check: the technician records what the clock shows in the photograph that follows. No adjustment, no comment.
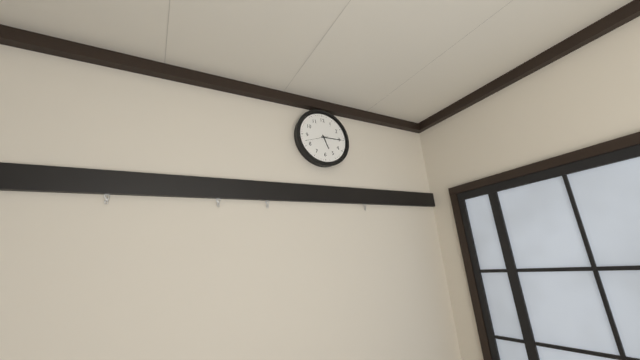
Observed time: 5:15
